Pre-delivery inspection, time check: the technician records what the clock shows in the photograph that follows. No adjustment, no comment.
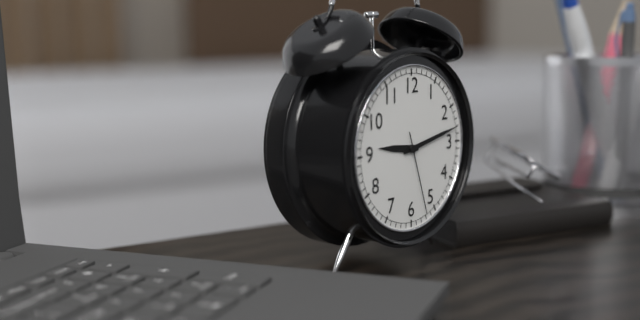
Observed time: 9:13:27
